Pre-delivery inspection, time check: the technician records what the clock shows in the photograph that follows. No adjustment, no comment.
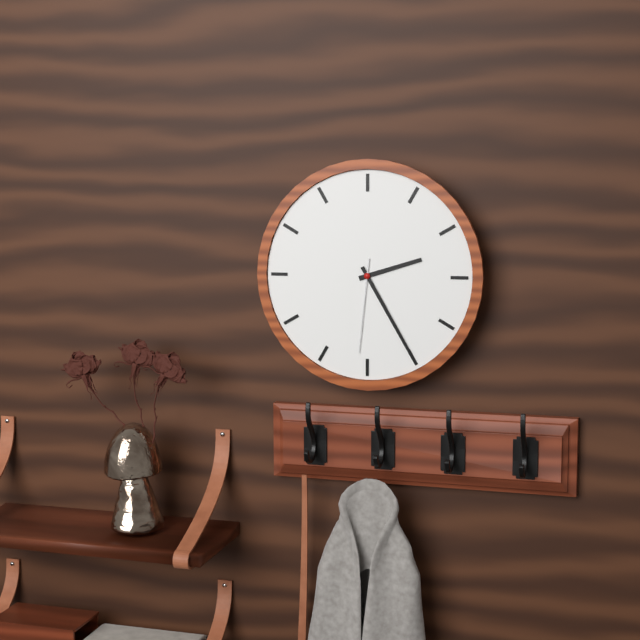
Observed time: 2:25:31
